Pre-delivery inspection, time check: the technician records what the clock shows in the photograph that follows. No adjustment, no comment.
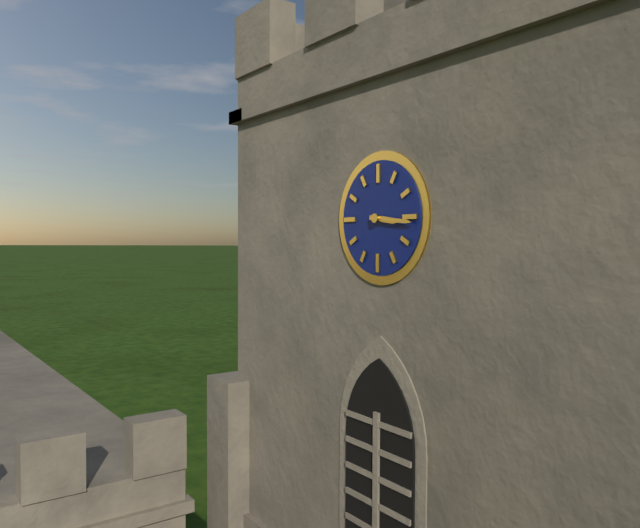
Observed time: 3:16
